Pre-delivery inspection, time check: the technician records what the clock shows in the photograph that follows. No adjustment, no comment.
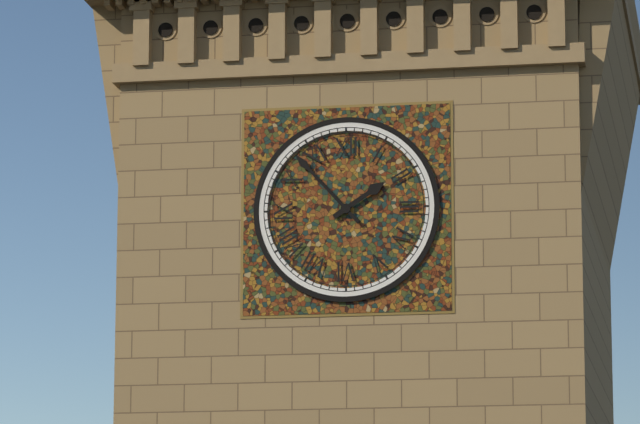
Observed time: 1:53
